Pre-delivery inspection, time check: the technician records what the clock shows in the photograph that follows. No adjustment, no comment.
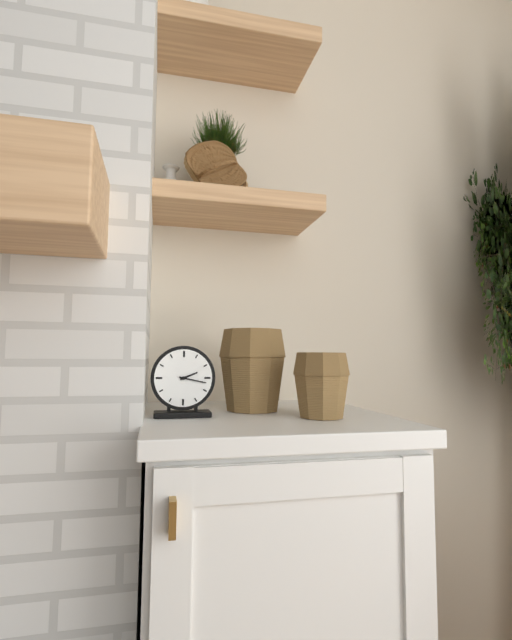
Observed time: 2:17
